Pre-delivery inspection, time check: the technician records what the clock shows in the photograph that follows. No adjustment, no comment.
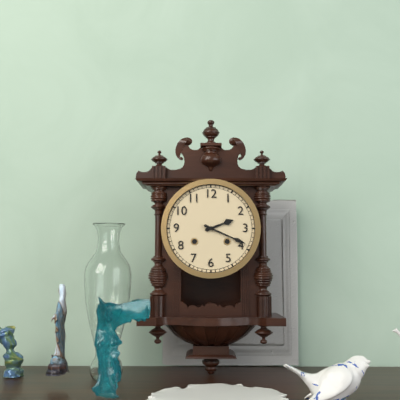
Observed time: 2:19
